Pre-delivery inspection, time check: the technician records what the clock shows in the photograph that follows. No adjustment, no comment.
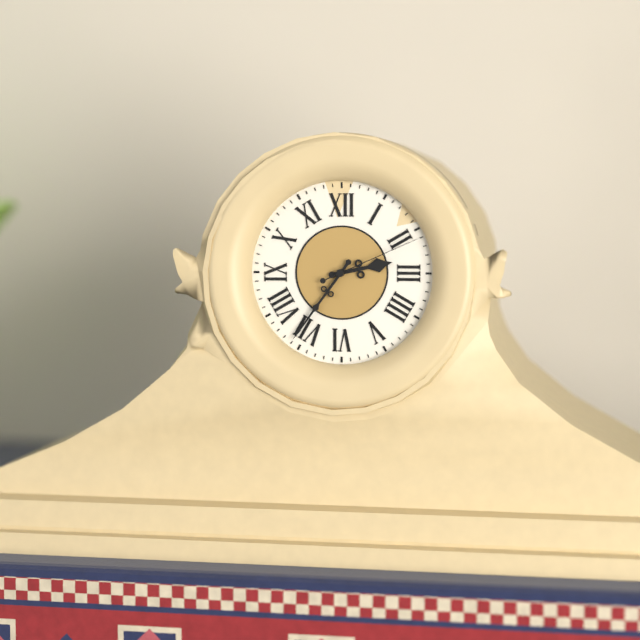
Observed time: 2:36:11
